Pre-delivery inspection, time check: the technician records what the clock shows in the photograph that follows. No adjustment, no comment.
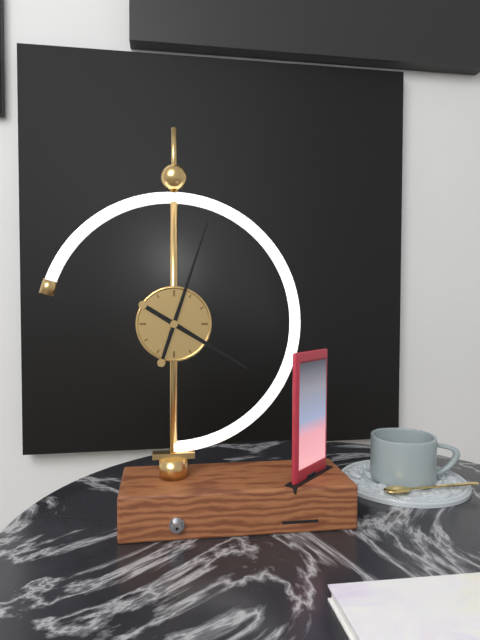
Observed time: 4:03
